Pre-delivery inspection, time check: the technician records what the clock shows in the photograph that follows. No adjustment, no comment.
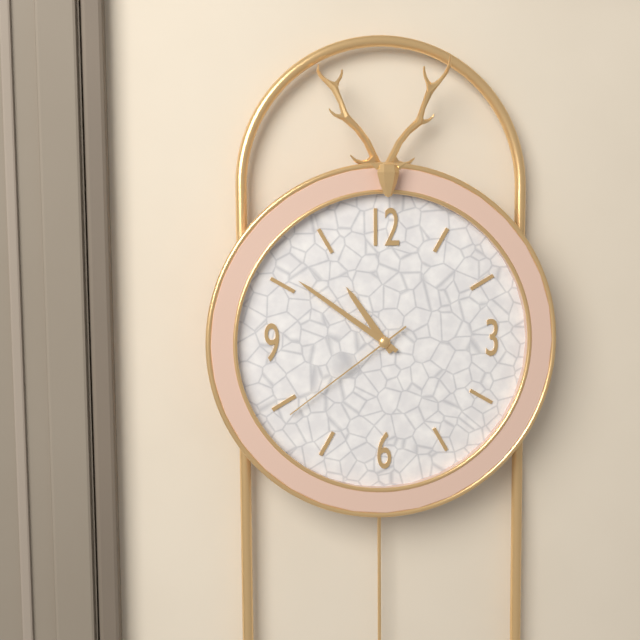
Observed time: 10:51:39
